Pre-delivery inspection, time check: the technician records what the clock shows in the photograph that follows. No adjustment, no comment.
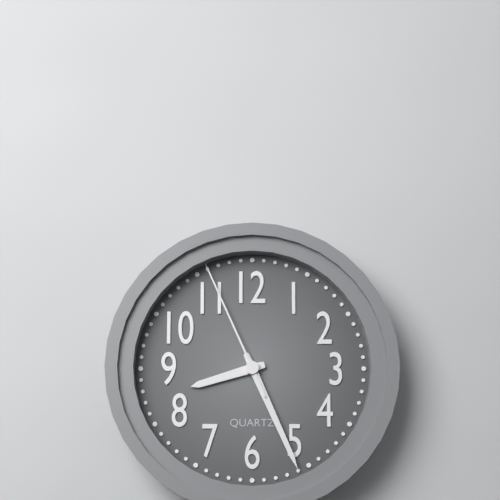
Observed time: 8:26:56
